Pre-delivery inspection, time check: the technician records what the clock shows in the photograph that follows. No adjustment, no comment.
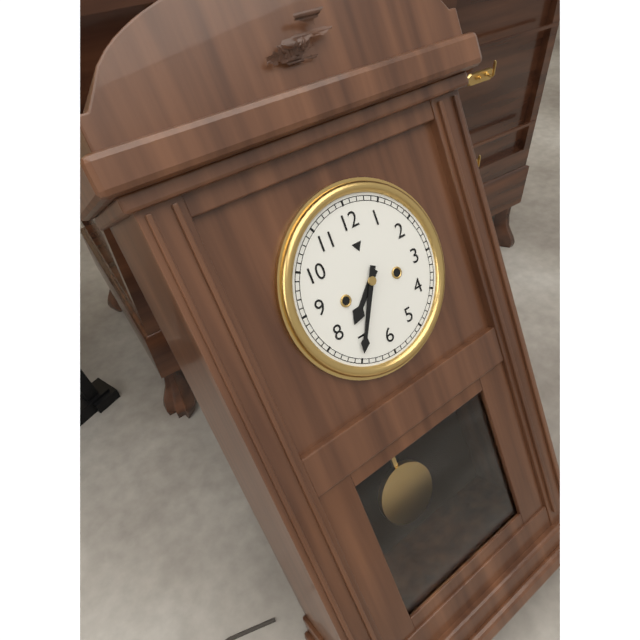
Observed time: 7:35
